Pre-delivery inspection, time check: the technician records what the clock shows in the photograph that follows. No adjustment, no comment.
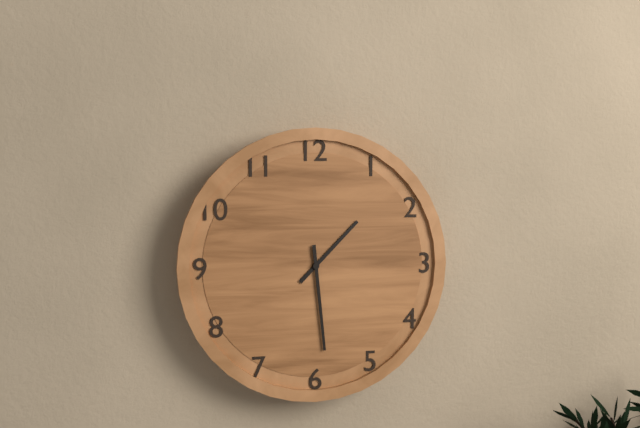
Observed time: 1:29
